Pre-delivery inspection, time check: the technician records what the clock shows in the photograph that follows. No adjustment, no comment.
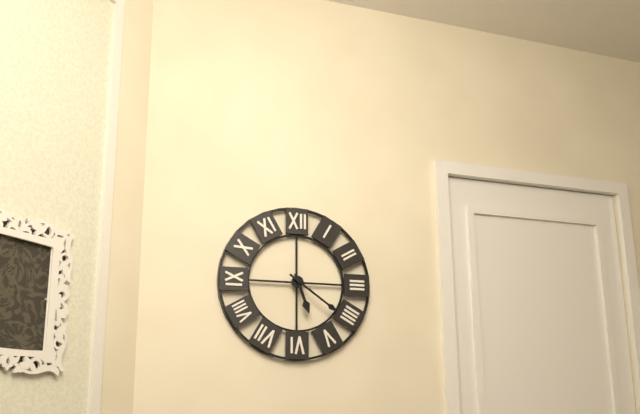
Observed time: 5:21
